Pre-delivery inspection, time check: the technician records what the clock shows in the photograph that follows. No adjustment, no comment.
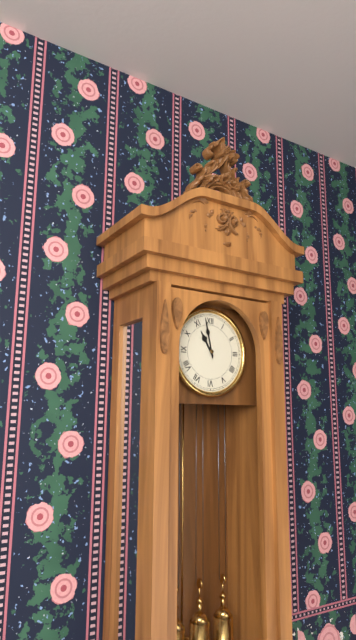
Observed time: 10:58
